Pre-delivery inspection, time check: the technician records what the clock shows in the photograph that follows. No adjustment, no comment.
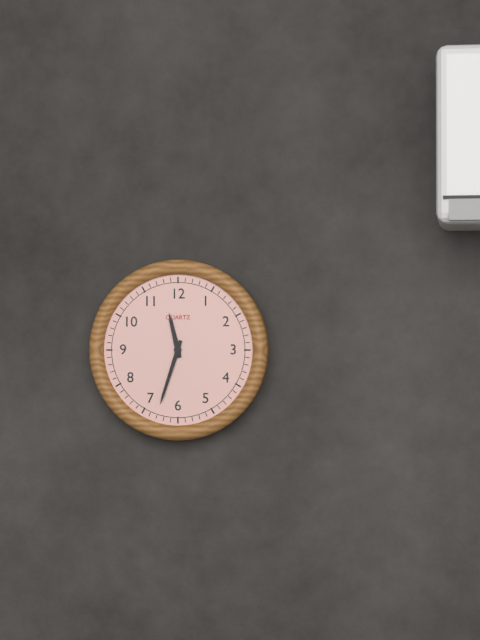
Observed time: 11:33
